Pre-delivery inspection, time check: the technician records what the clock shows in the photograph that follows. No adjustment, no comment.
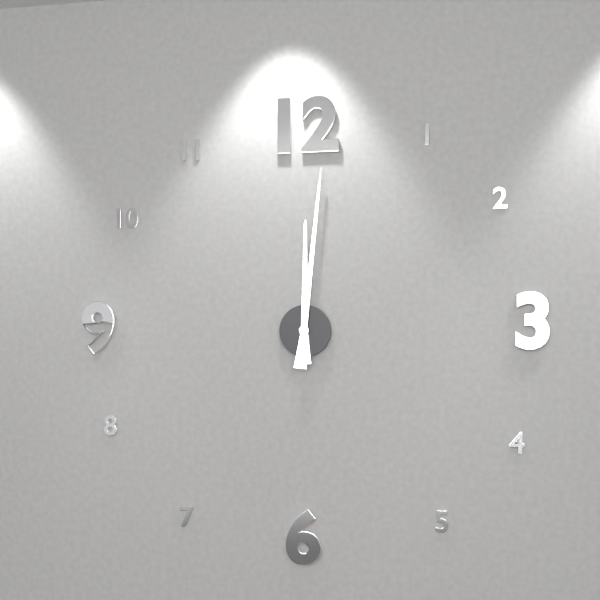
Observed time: 12:01
